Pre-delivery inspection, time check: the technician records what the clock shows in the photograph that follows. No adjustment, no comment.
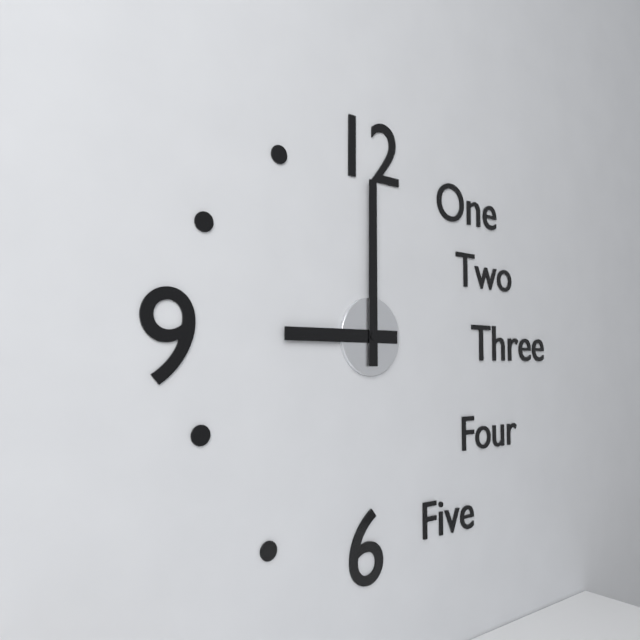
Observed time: 9:00
